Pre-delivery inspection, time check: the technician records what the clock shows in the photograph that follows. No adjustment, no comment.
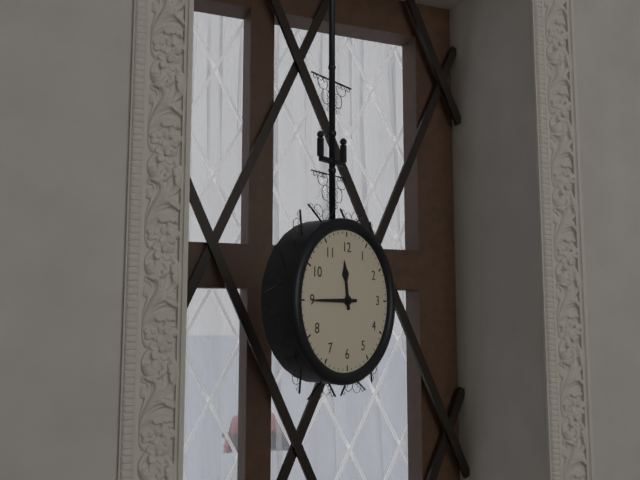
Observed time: 11:45
